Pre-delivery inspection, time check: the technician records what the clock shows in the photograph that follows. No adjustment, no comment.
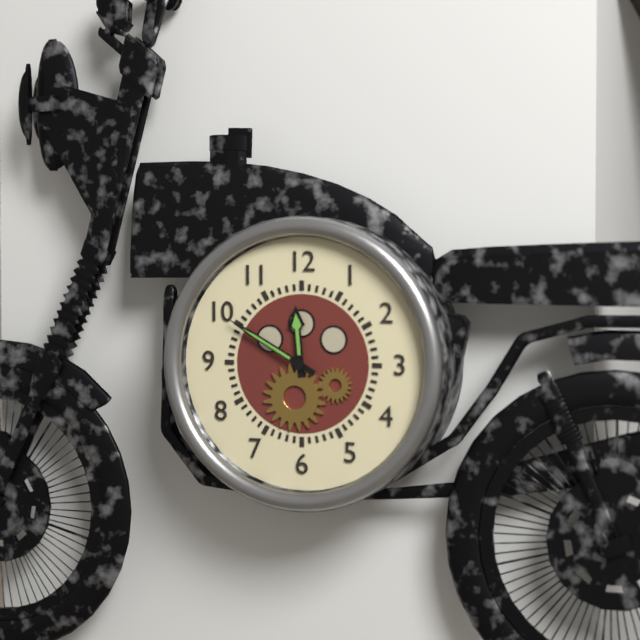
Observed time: 11:50
